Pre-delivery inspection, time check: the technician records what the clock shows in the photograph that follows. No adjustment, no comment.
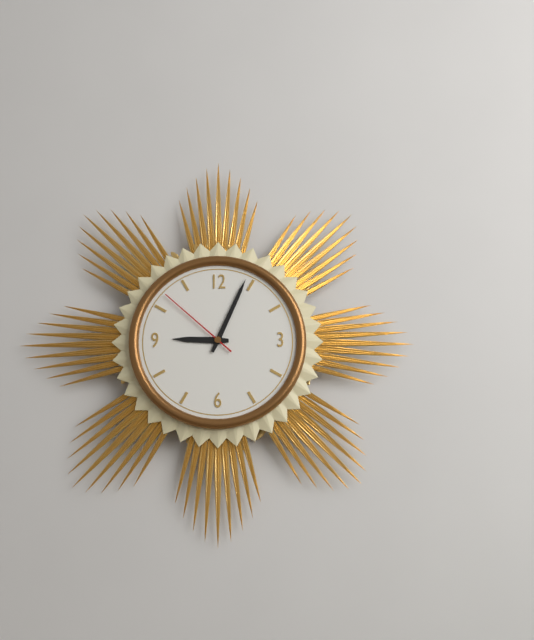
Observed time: 9:04:52
